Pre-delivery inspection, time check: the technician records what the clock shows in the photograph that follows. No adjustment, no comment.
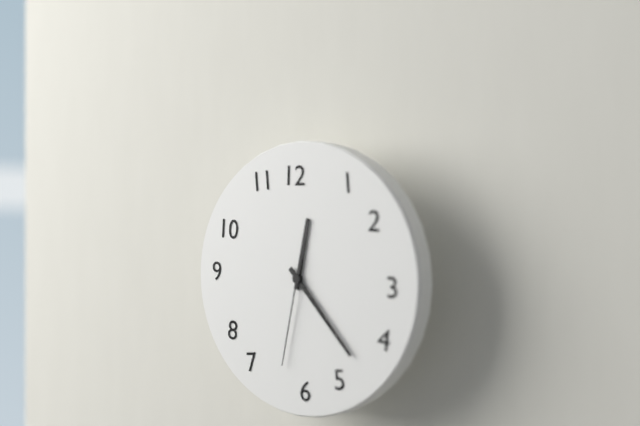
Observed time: 12:23:32
